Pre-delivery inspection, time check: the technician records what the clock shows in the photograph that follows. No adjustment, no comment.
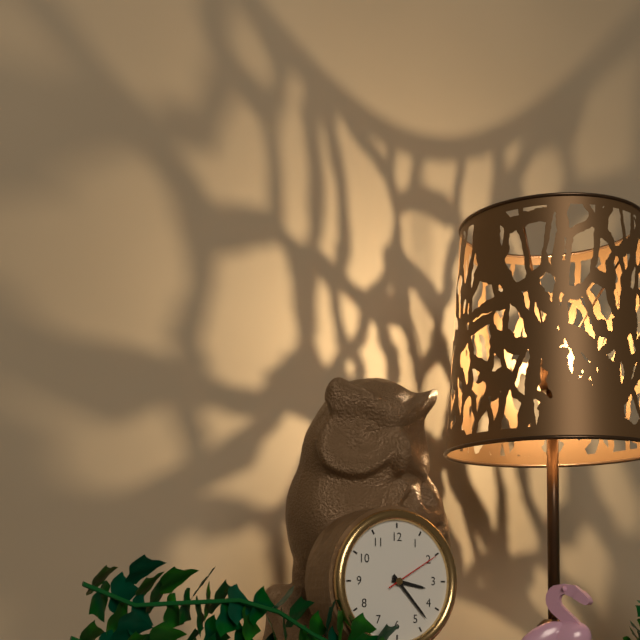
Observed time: 3:23:10
